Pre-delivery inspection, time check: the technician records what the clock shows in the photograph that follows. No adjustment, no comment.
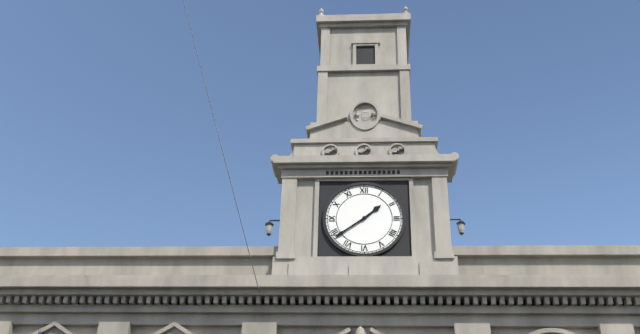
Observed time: 1:39
